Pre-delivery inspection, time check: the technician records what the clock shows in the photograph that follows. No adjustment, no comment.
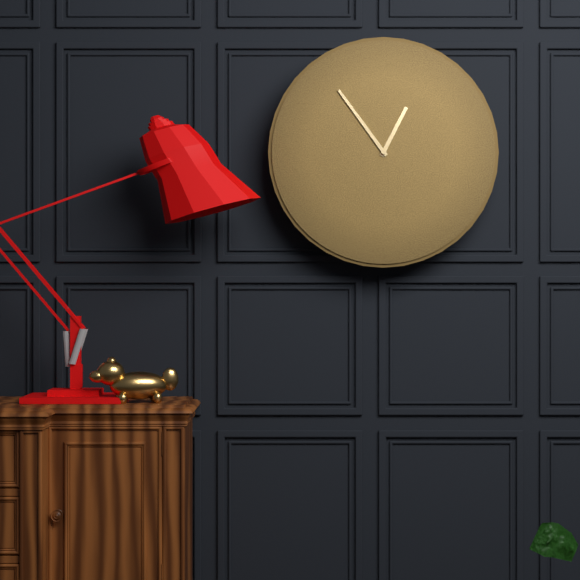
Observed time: 12:54
